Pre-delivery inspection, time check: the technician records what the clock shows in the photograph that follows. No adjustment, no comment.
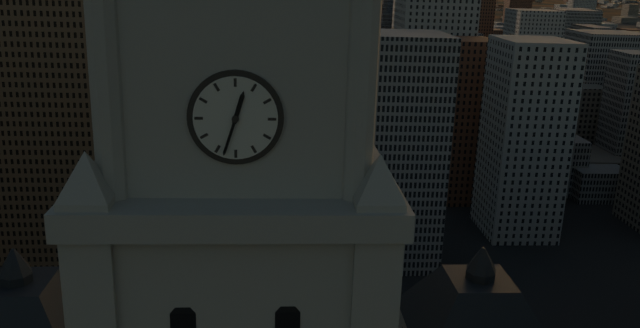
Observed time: 12:33
